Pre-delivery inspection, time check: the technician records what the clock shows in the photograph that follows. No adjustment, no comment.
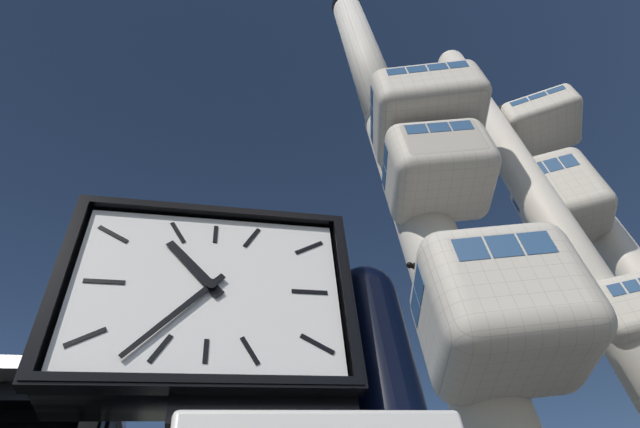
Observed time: 10:37
